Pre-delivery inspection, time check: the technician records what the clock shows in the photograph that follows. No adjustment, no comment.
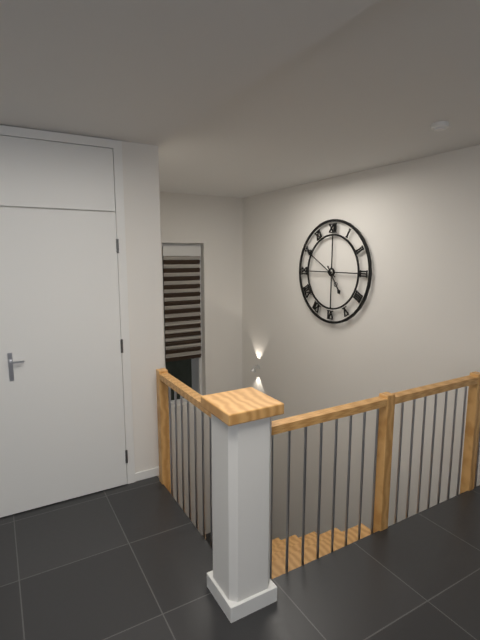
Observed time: 4:50
